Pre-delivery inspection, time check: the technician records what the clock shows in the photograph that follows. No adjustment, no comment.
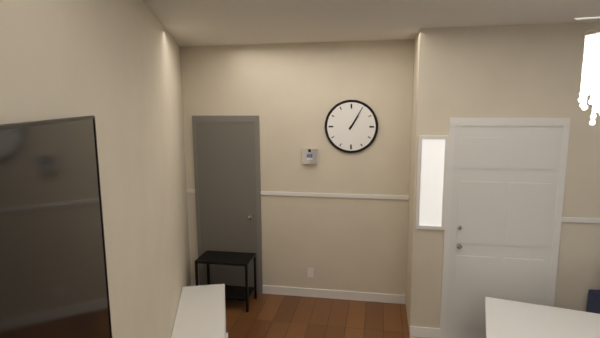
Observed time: 1:05
